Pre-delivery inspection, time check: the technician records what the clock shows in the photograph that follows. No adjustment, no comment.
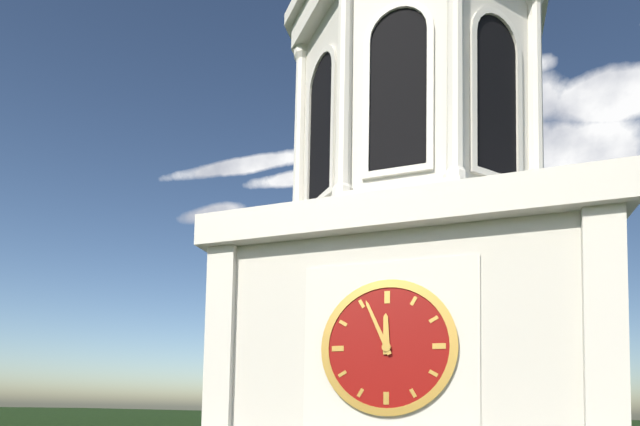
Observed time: 11:56
